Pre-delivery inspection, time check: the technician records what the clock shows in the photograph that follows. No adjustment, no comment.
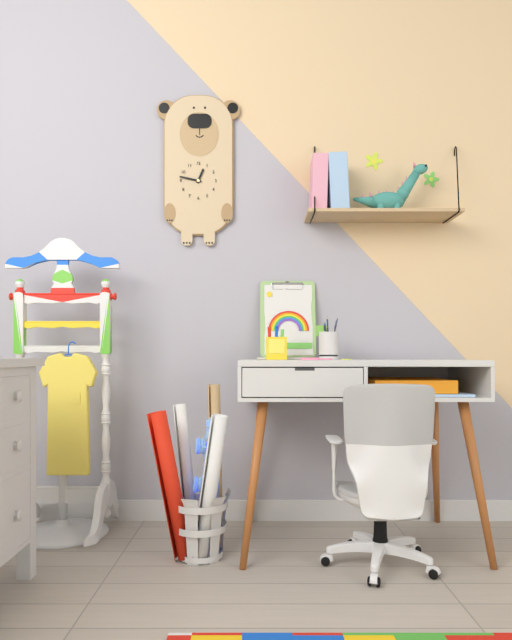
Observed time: 12:47
